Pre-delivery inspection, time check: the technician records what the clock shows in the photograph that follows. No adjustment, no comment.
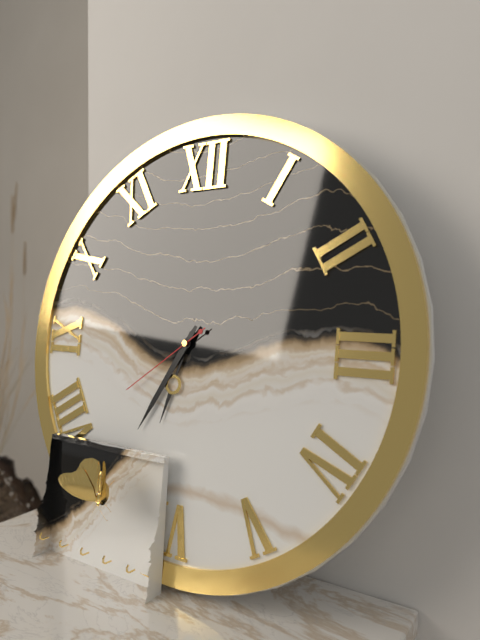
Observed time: 6:35:39
